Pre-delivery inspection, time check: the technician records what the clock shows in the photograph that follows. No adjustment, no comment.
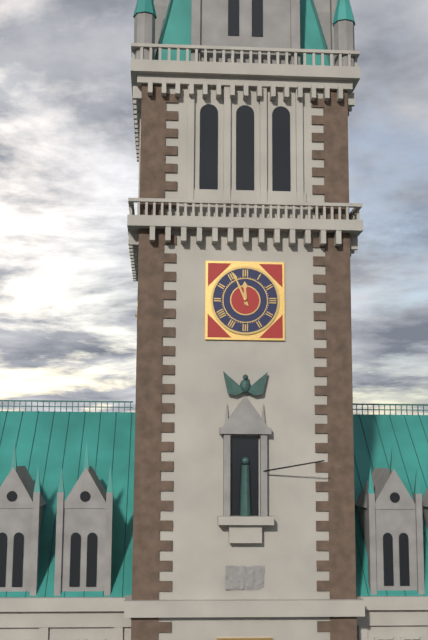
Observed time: 11:56
